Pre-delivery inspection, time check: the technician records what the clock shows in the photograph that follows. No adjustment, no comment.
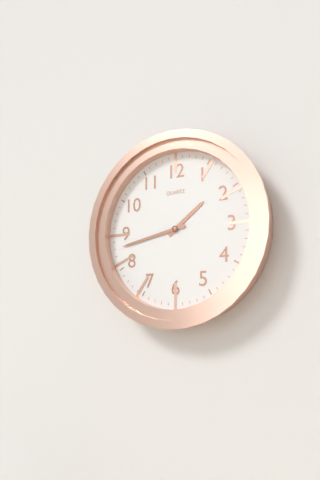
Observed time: 1:43
